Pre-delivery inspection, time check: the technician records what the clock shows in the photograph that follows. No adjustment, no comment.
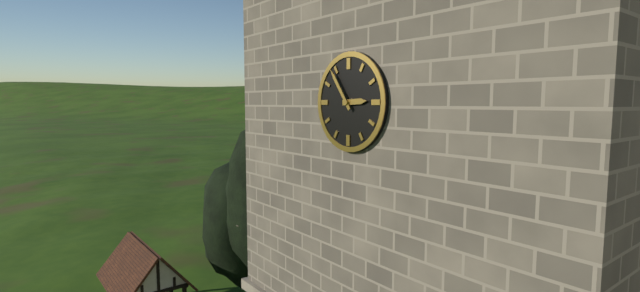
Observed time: 2:54
